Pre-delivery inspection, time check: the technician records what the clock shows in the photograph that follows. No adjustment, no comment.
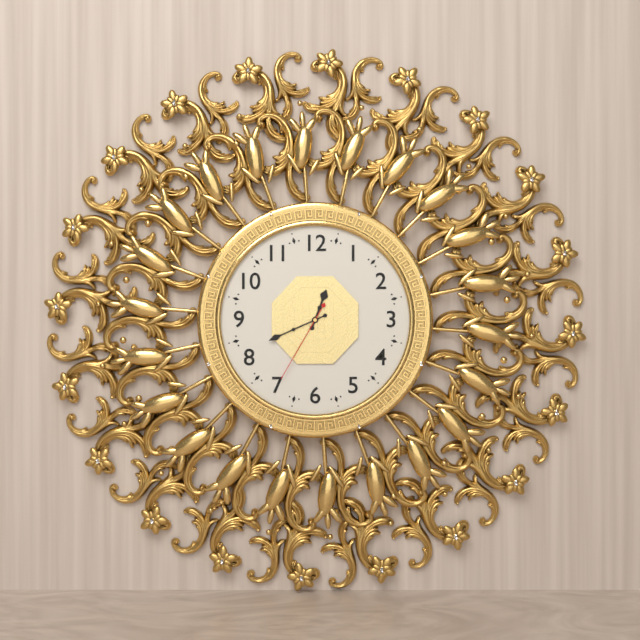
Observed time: 12:41:35
